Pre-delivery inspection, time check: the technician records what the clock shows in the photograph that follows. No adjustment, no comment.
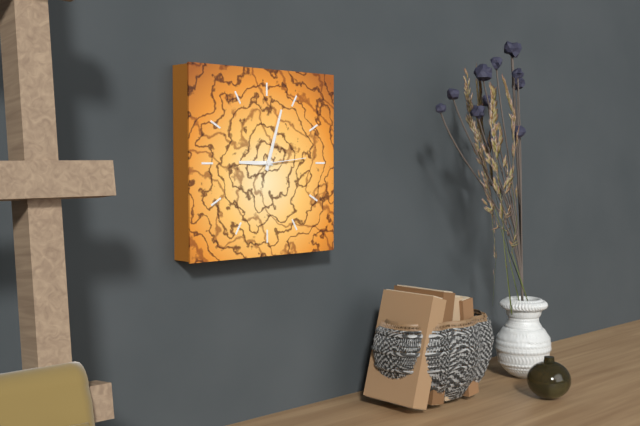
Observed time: 9:03
